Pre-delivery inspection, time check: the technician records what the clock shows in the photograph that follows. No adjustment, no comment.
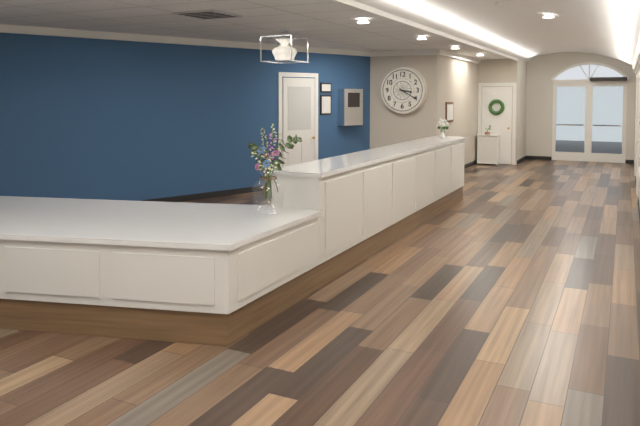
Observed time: 3:20
